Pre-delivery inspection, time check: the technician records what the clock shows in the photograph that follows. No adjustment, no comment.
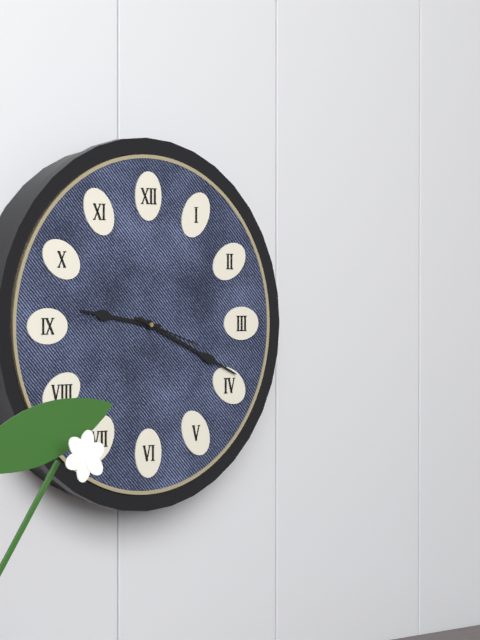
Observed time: 9:19:18
